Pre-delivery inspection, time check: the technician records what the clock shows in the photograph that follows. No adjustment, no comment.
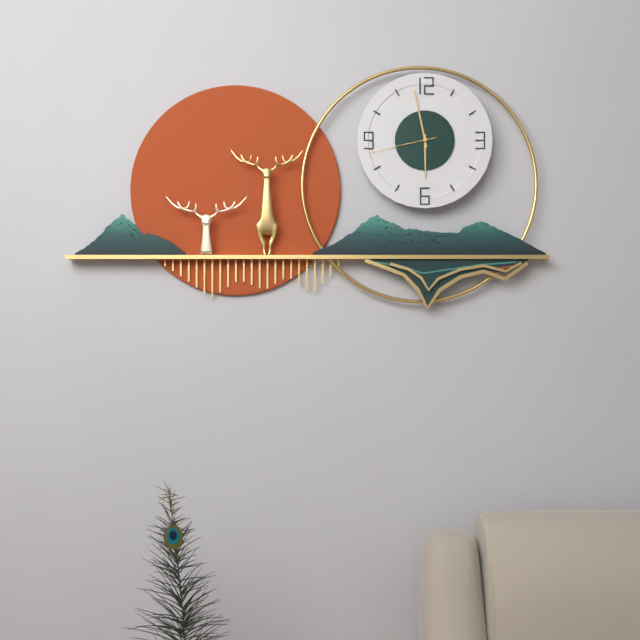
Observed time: 5:58:43
